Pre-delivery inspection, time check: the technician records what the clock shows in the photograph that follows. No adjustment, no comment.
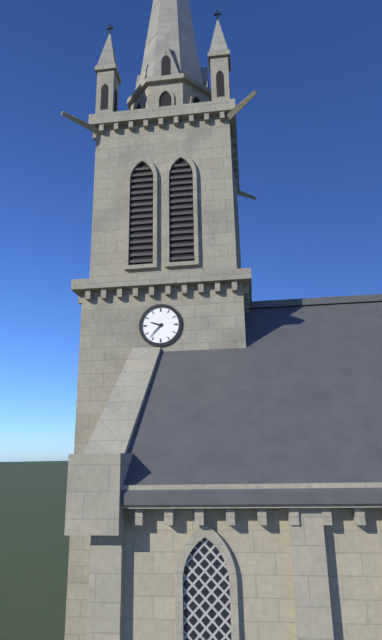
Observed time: 9:37
